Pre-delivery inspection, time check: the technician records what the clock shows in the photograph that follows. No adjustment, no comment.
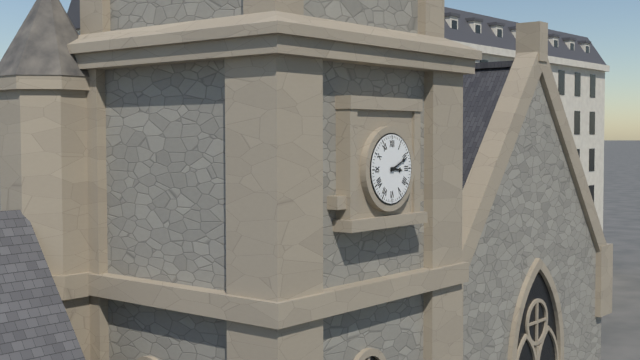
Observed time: 3:11
